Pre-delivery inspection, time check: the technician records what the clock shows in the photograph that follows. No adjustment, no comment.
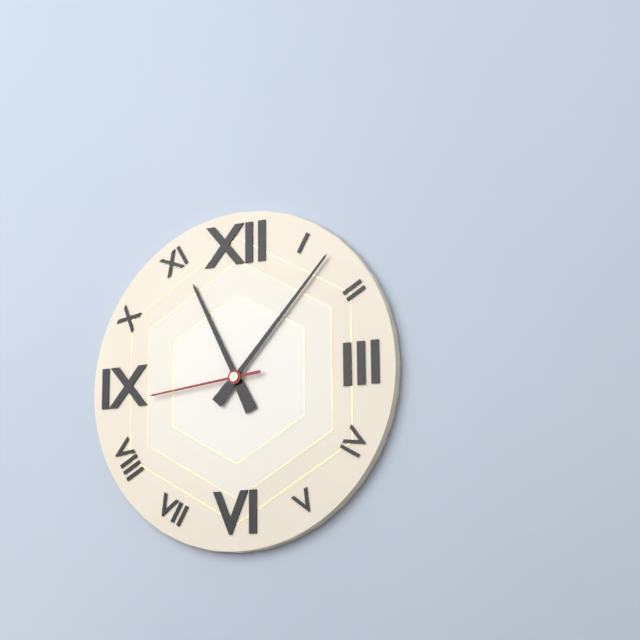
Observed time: 11:07:44
